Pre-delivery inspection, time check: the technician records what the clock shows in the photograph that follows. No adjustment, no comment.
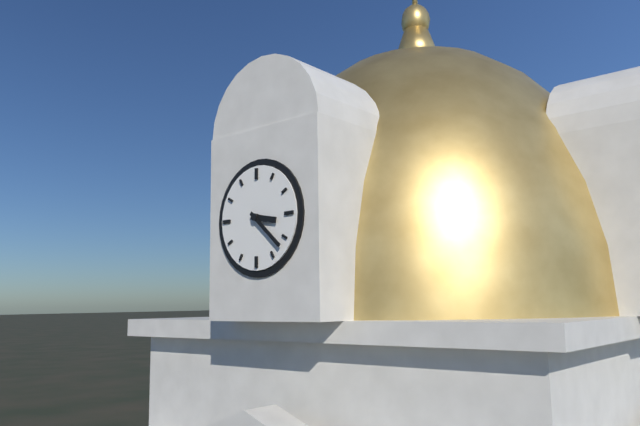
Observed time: 3:22
